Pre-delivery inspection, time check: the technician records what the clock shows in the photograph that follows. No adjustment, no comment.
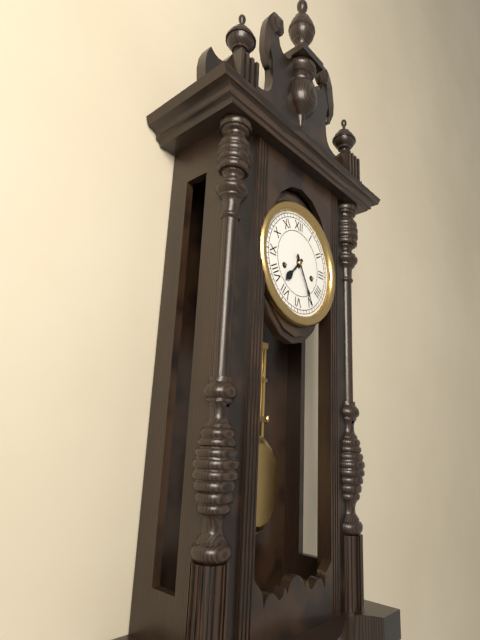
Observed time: 7:25
